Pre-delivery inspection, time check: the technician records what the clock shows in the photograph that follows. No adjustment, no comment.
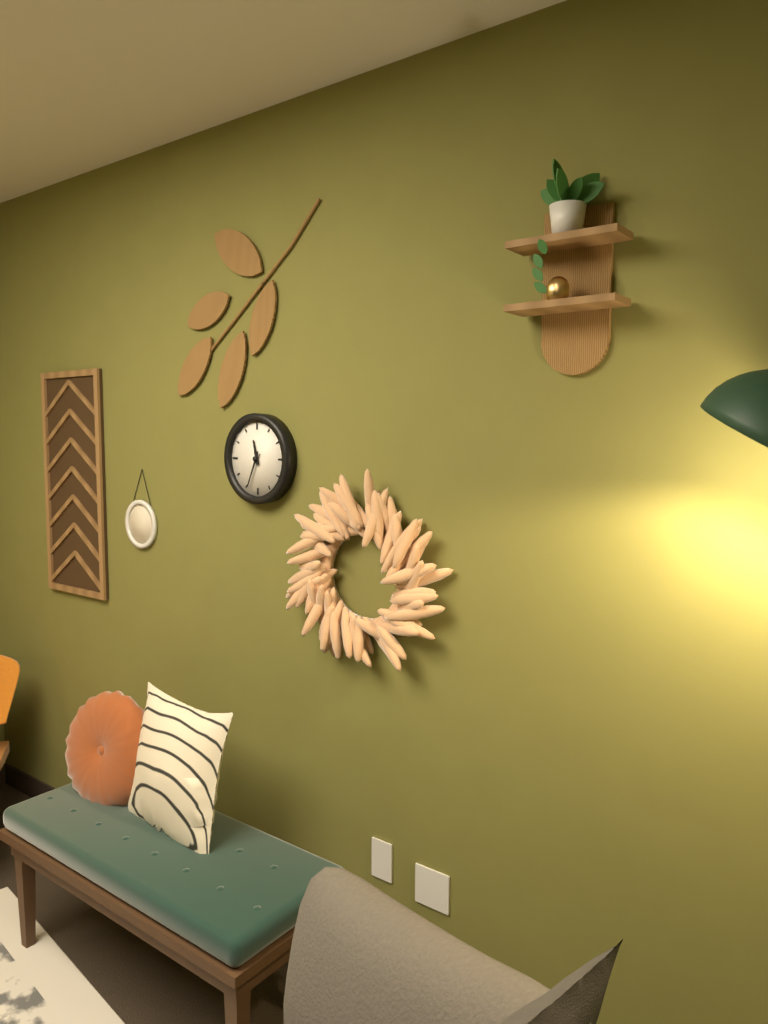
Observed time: 11:34
